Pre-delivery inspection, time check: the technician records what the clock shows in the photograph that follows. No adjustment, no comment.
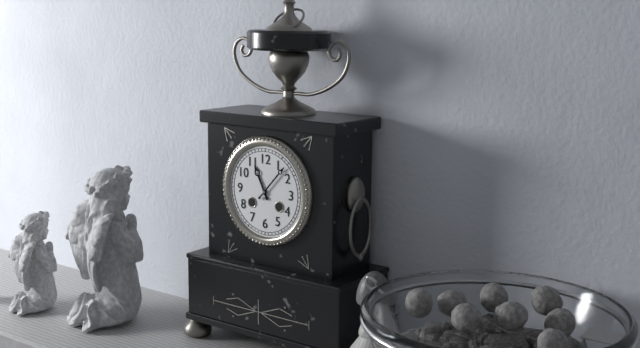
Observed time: 11:07
